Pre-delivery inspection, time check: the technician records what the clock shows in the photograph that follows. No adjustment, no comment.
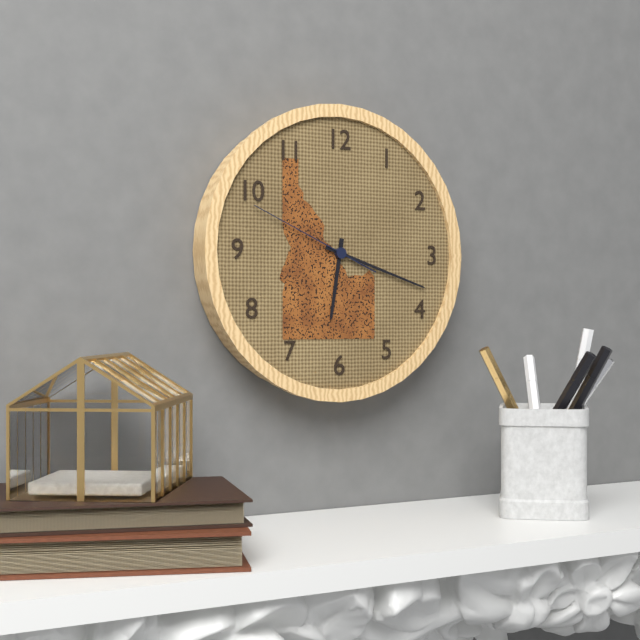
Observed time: 6:18:49
